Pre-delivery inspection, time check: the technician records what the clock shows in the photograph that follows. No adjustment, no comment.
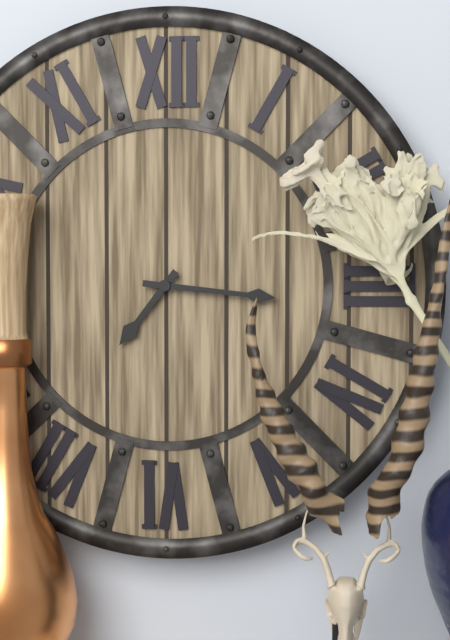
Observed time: 7:16
